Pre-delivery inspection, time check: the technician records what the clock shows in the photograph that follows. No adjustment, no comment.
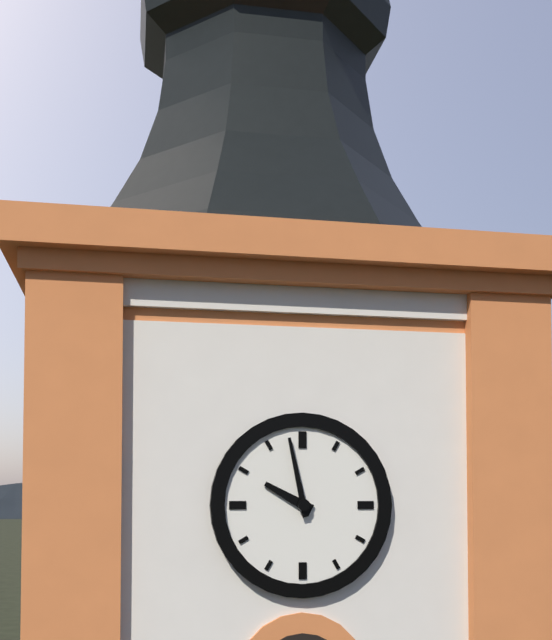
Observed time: 9:58
